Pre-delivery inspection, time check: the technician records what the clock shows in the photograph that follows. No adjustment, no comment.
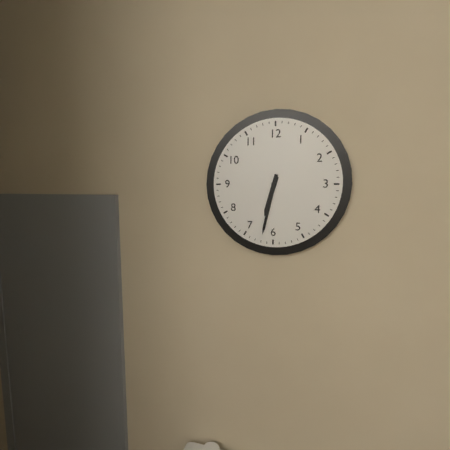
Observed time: 6:32
